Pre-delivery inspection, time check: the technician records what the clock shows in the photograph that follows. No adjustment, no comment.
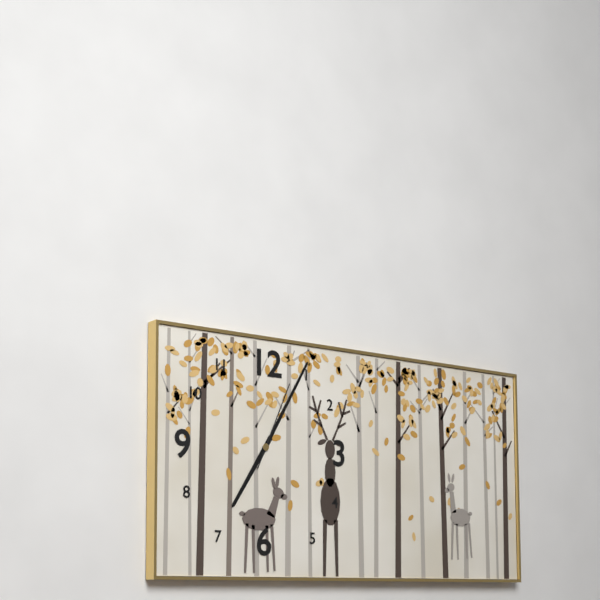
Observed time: 7:05:04
